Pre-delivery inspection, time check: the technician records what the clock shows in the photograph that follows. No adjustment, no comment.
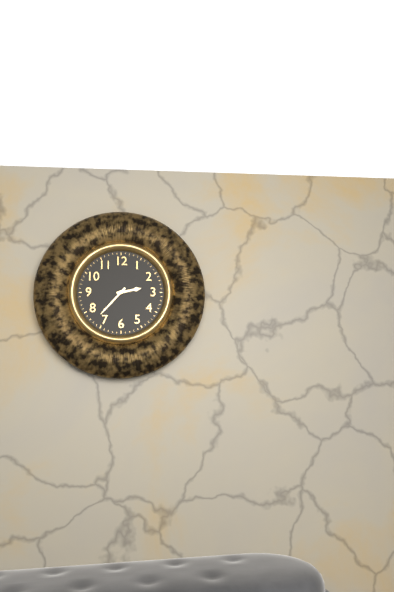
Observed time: 2:37
